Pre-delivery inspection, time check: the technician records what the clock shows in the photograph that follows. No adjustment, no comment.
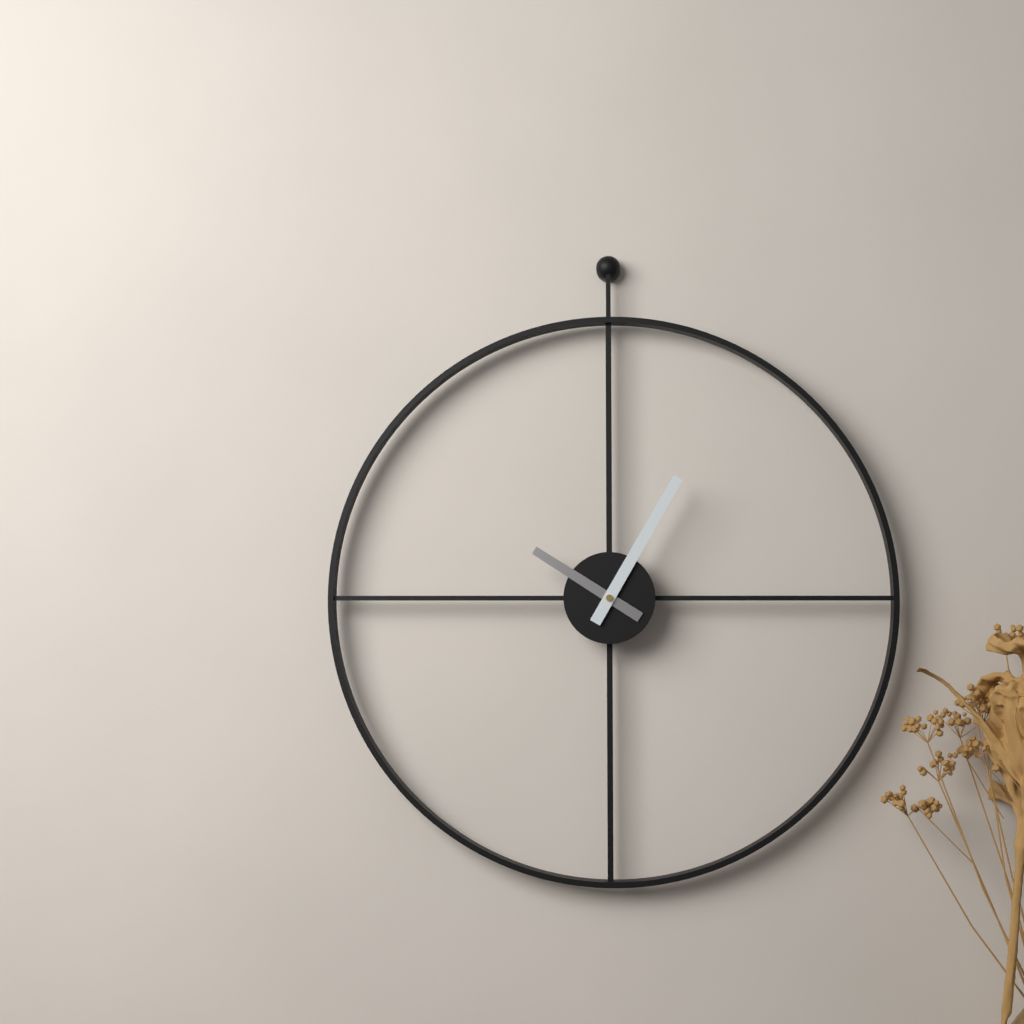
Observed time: 10:05
